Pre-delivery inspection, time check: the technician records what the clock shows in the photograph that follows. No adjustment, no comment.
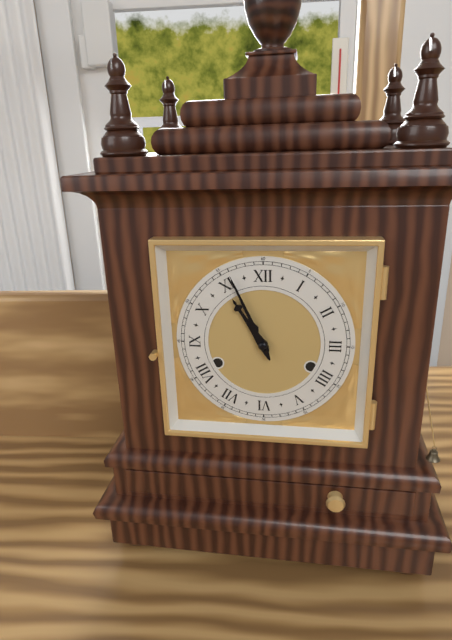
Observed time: 10:56
